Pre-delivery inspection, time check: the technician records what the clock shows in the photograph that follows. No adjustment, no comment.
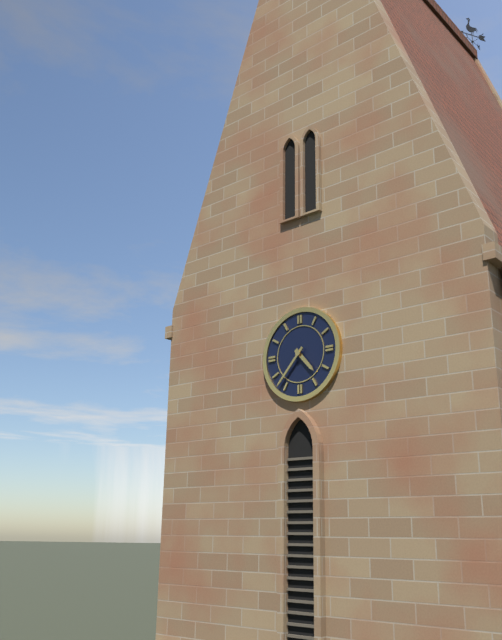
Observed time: 4:37
